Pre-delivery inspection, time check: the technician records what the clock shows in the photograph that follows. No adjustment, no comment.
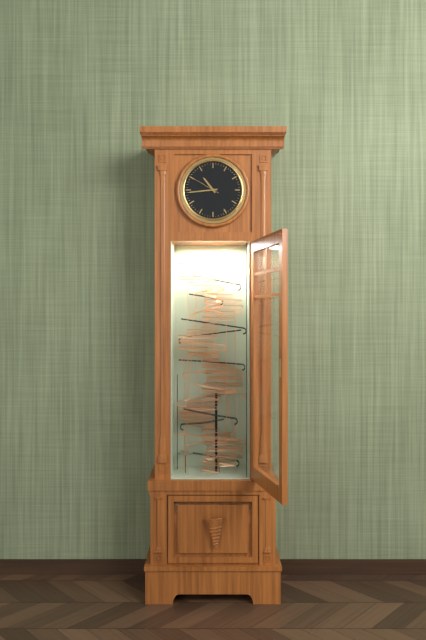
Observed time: 10:44
